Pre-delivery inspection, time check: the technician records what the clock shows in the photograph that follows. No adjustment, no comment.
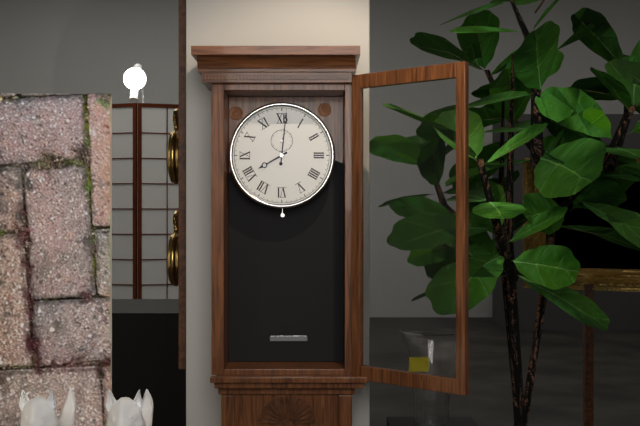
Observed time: 8:01
